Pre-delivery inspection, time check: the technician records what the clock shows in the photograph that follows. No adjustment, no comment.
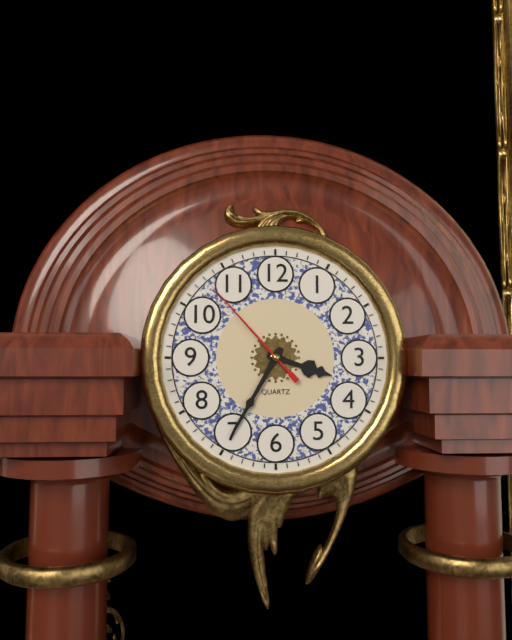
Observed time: 3:35:53
